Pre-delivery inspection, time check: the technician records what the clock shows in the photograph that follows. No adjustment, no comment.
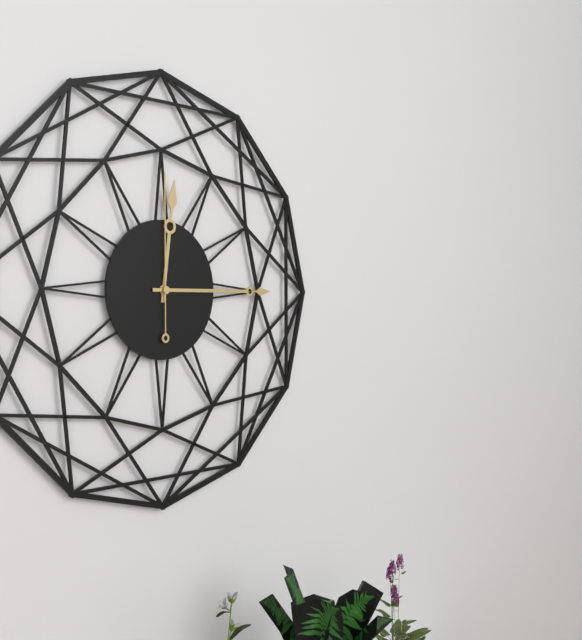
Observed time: 12:15:00
